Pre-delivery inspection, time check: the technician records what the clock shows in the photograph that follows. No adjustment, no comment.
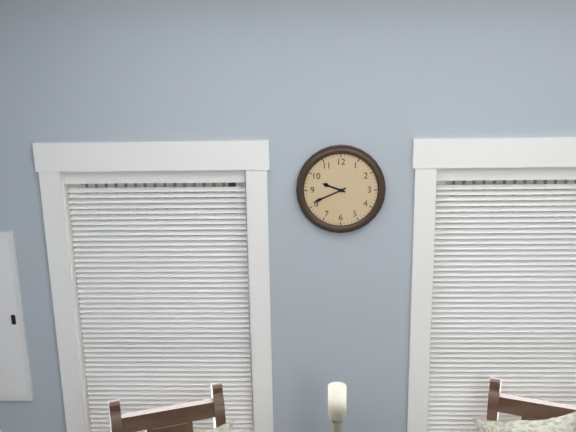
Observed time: 9:41
